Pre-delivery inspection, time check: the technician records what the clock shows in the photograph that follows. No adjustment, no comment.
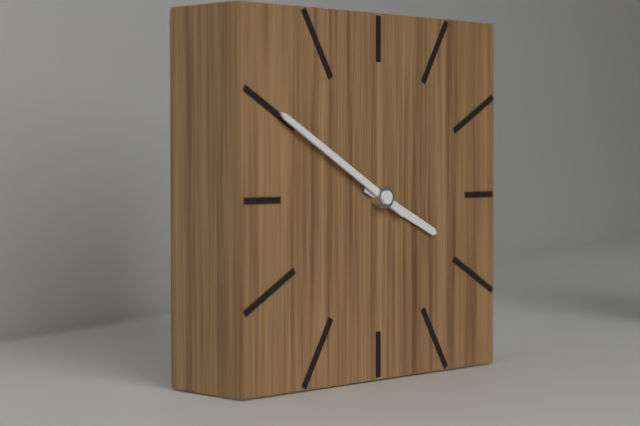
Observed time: 3:50
